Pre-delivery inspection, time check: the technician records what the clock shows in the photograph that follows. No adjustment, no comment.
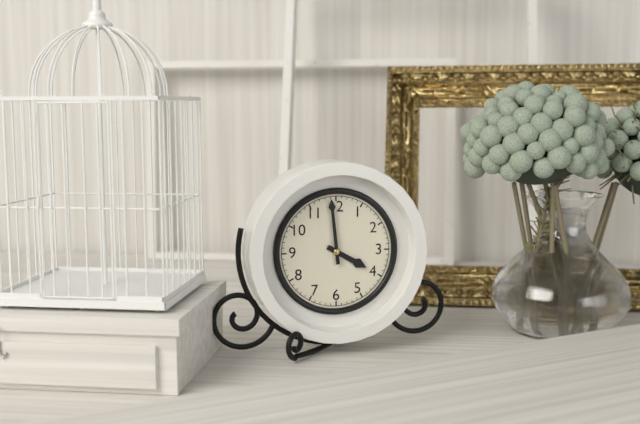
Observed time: 3:59
